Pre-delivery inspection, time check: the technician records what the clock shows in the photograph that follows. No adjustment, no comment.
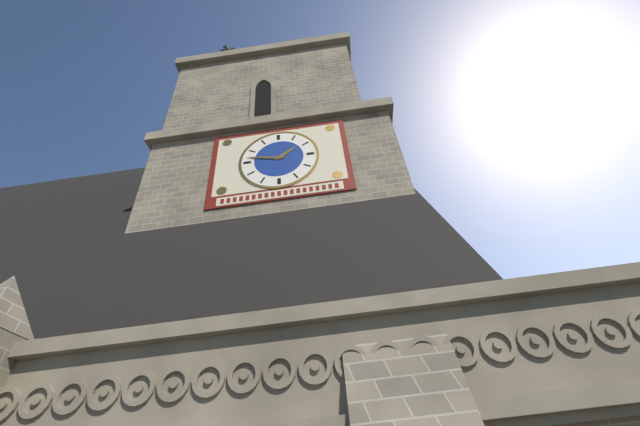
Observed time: 1:47
